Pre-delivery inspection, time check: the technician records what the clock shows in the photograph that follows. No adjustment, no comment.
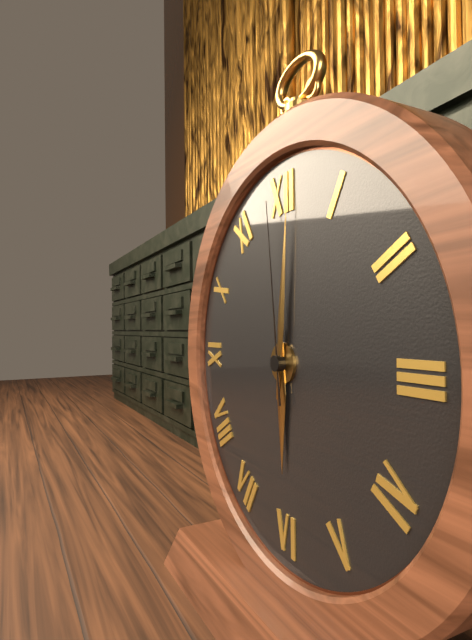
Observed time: 6:01:59
